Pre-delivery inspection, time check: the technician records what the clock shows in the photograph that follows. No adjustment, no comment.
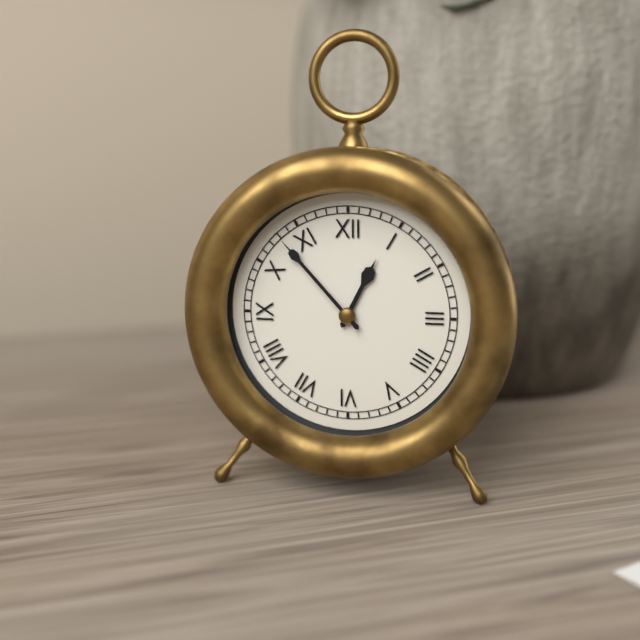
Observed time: 12:53
